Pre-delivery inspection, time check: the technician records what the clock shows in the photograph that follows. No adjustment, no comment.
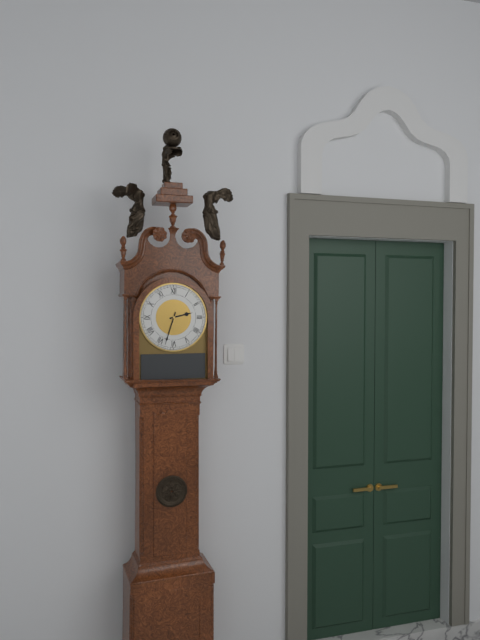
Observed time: 2:33
